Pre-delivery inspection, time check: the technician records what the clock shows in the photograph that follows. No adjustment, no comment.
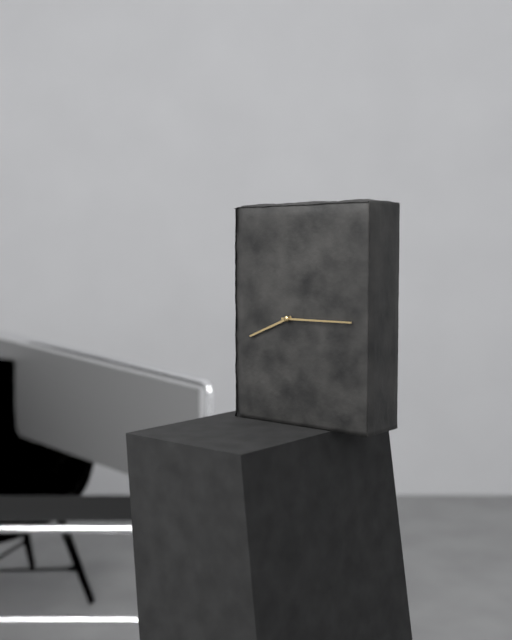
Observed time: 8:15
